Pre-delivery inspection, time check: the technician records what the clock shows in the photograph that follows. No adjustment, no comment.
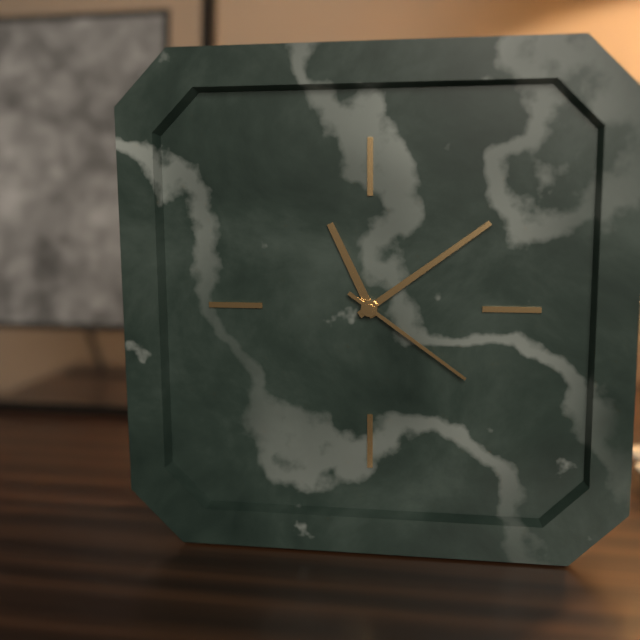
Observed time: 11:09:21
